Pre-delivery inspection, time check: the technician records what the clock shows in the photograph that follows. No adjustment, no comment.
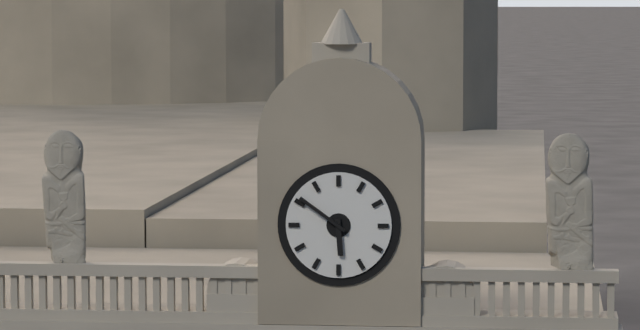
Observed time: 5:51
